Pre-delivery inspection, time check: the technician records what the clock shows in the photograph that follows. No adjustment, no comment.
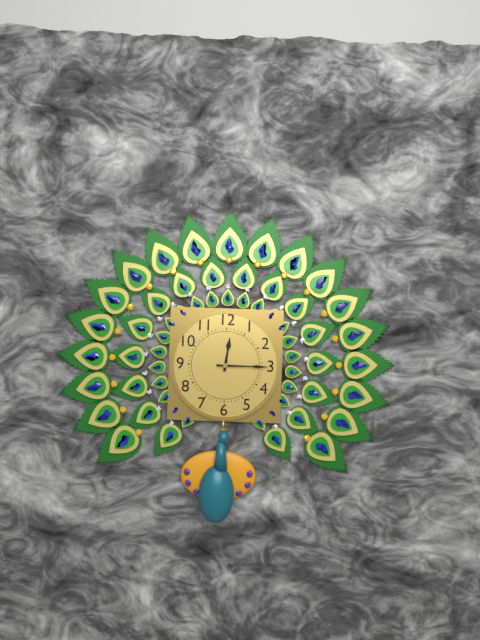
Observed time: 12:15
